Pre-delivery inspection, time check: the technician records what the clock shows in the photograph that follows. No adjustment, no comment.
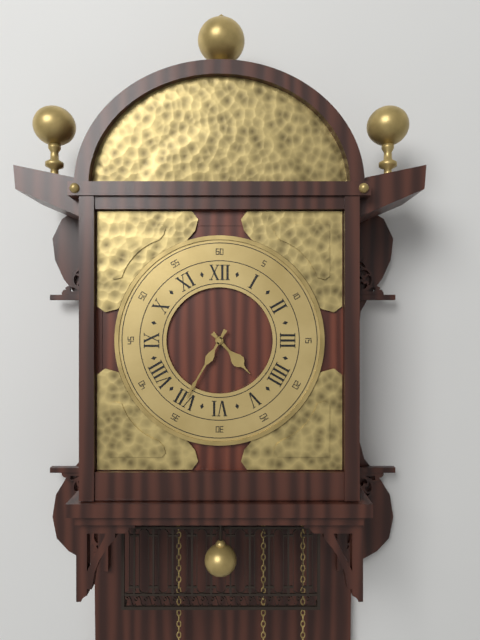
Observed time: 4:35
